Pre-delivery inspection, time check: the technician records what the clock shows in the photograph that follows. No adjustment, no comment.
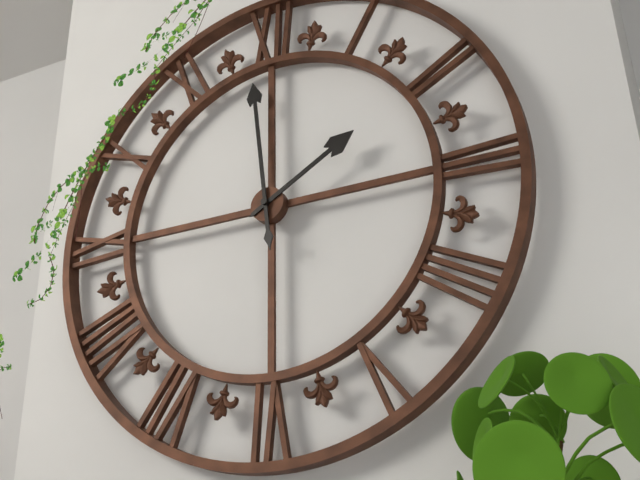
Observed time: 1:59
